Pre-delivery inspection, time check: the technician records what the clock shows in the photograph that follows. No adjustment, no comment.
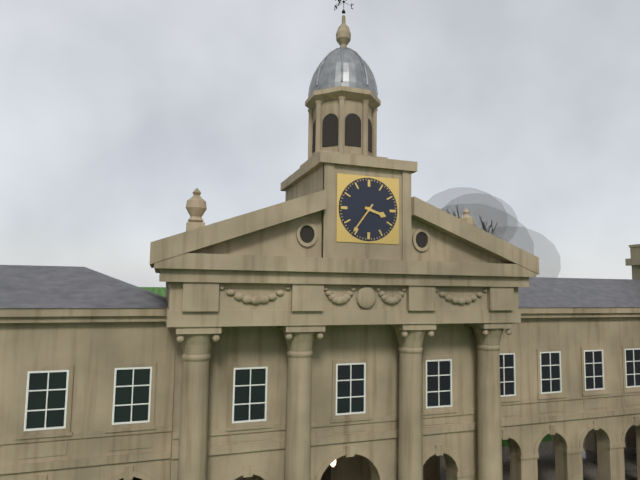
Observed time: 3:36
